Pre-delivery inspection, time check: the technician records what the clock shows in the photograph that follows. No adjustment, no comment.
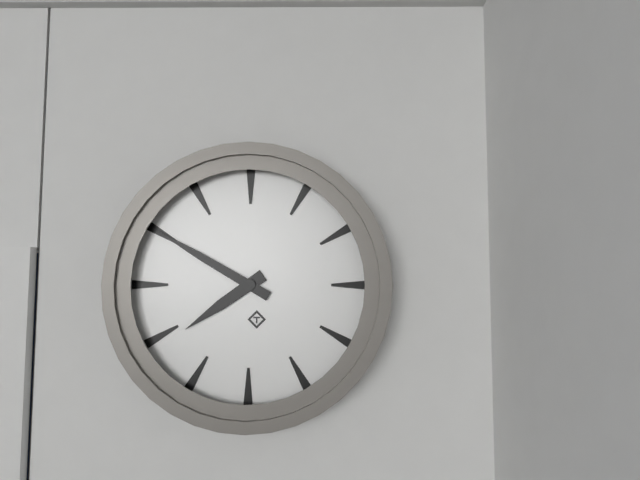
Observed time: 7:50
